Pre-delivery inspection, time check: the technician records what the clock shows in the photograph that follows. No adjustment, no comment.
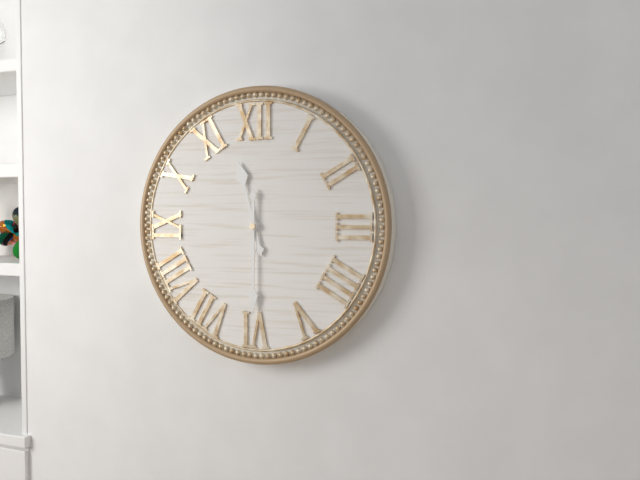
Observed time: 11:30
